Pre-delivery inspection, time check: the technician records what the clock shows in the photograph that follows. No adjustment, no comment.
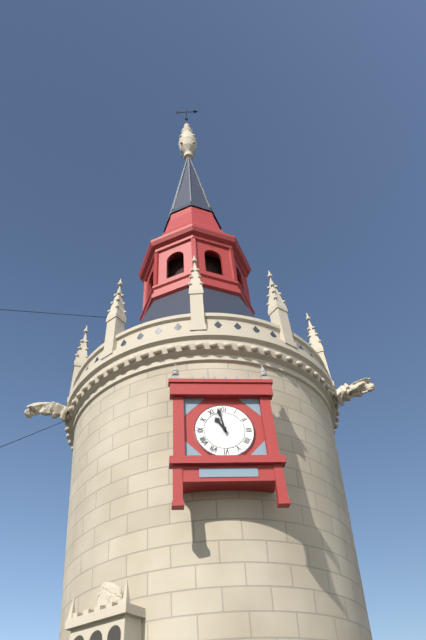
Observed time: 10:58
